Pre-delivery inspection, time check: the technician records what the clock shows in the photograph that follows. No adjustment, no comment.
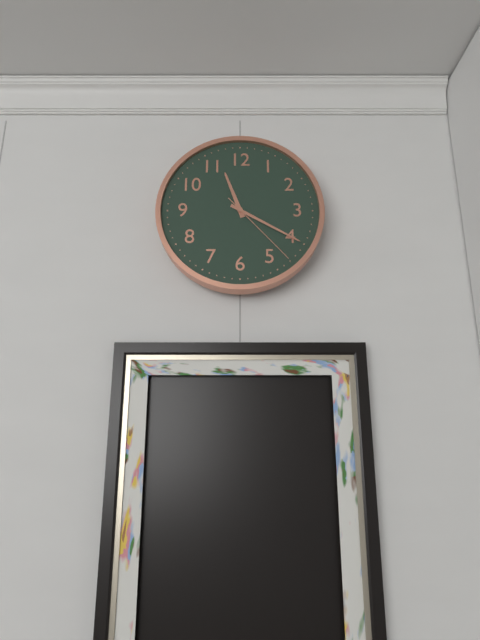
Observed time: 11:20:23
